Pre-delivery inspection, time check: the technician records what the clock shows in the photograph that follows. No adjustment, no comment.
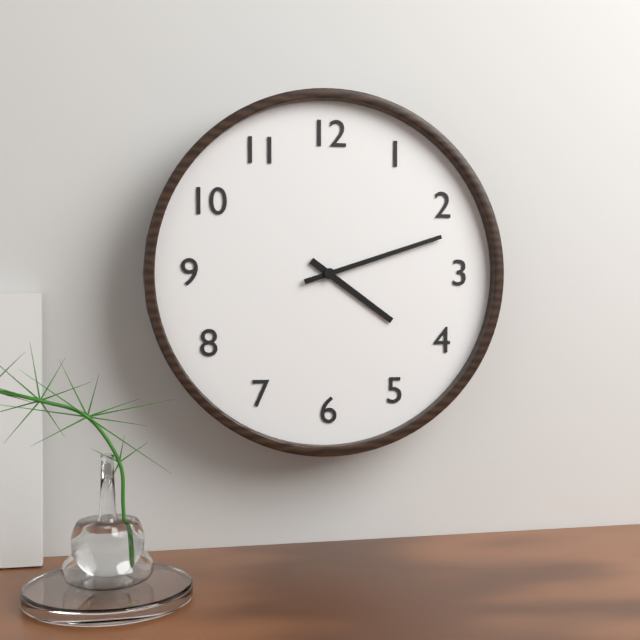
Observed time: 4:12
